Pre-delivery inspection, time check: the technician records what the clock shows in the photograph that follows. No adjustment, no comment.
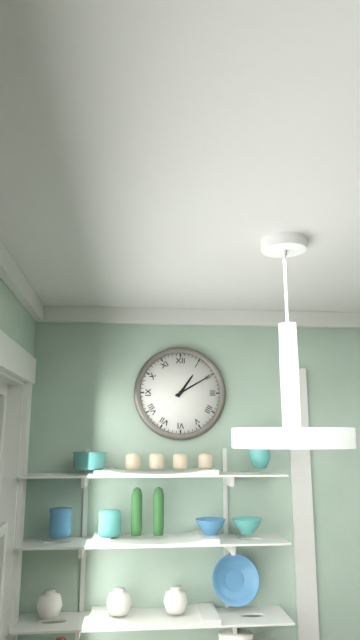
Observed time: 1:10
